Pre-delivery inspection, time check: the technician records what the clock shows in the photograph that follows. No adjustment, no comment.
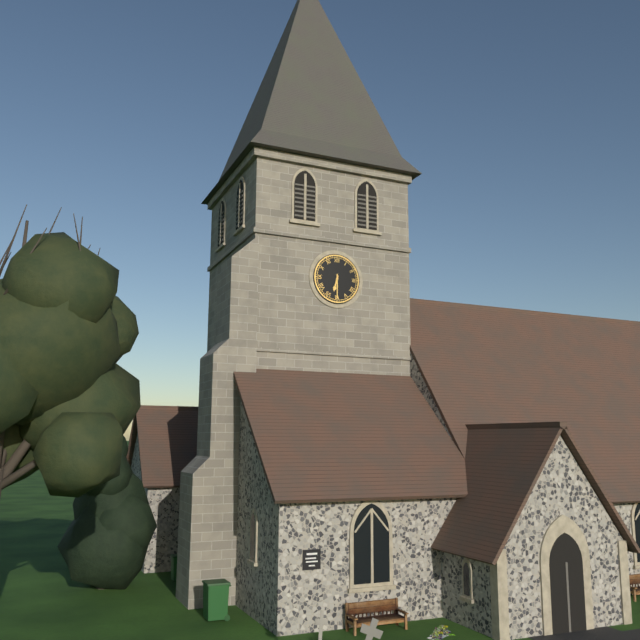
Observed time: 6:30
